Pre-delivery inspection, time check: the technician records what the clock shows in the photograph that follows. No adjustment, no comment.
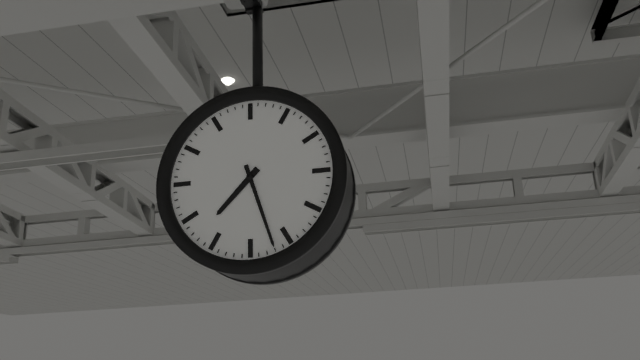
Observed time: 7:27
